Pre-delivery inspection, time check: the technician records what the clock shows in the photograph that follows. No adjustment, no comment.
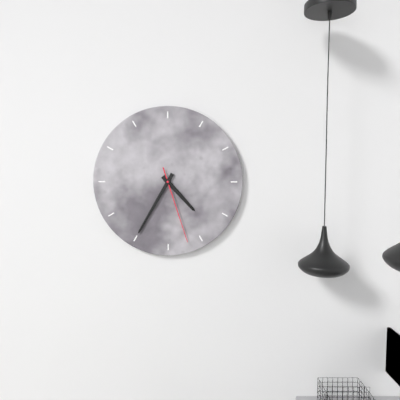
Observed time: 4:35:27
